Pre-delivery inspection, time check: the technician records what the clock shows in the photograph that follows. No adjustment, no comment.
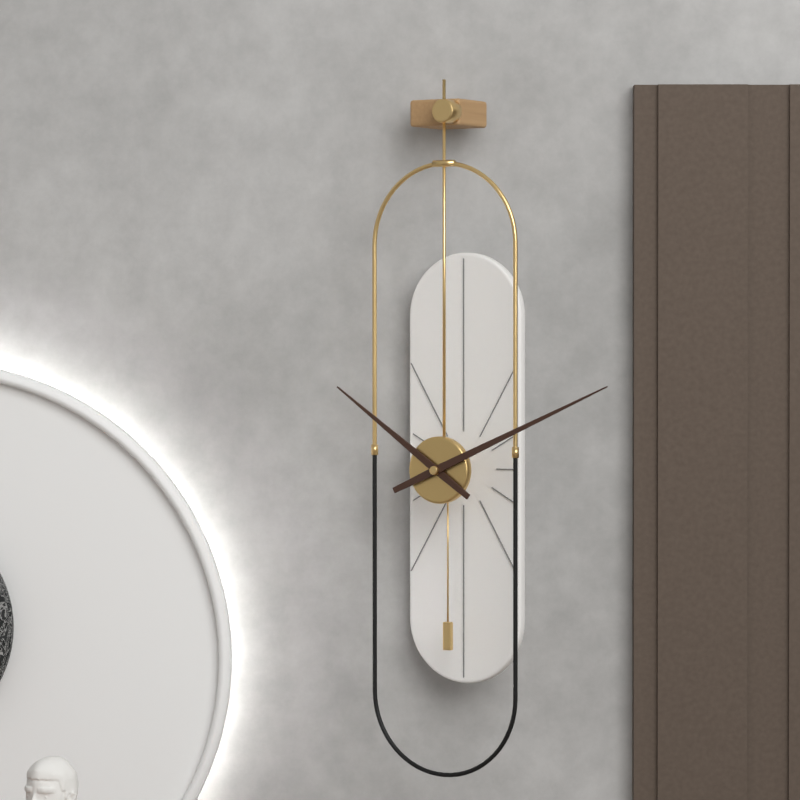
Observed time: 10:11
